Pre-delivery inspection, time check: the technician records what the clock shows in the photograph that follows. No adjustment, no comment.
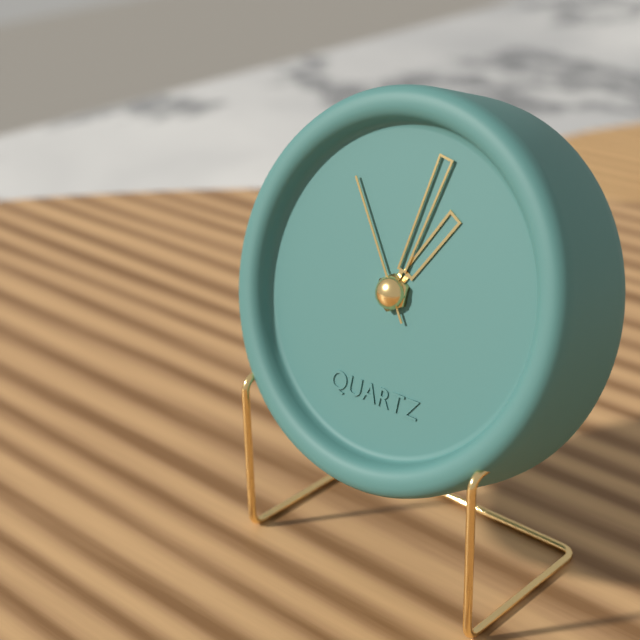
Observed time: 1:02:54
